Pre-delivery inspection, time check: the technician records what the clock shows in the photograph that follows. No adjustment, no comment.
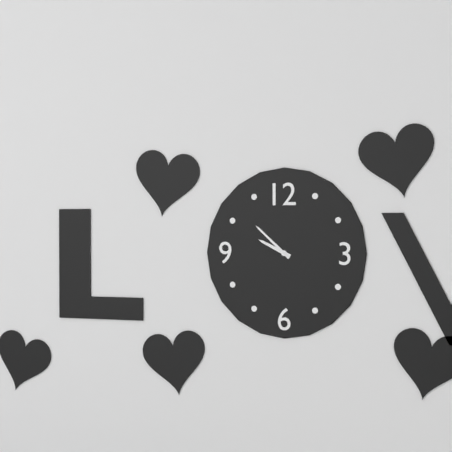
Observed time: 9:52
